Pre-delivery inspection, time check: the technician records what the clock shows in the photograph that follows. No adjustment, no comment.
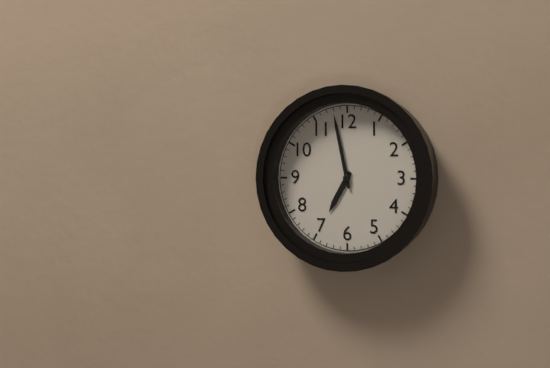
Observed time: 6:58
